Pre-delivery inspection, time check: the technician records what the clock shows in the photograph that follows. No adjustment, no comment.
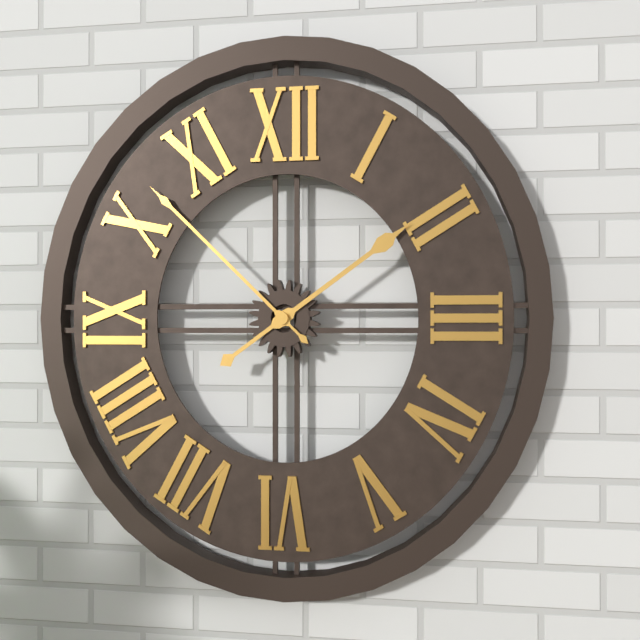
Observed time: 1:52
